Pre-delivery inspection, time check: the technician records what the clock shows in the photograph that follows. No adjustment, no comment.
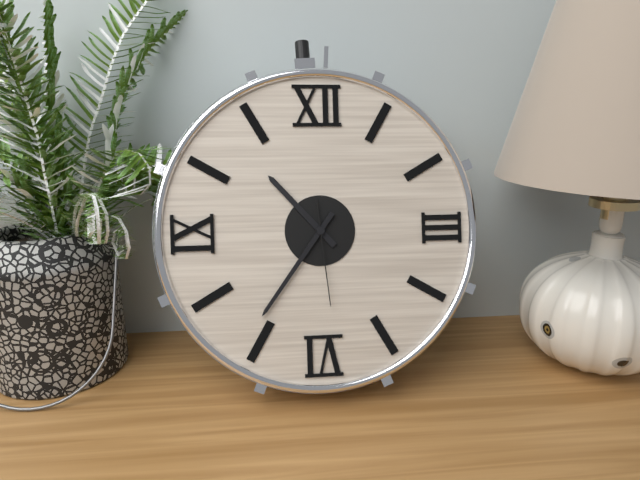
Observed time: 10:36:29
